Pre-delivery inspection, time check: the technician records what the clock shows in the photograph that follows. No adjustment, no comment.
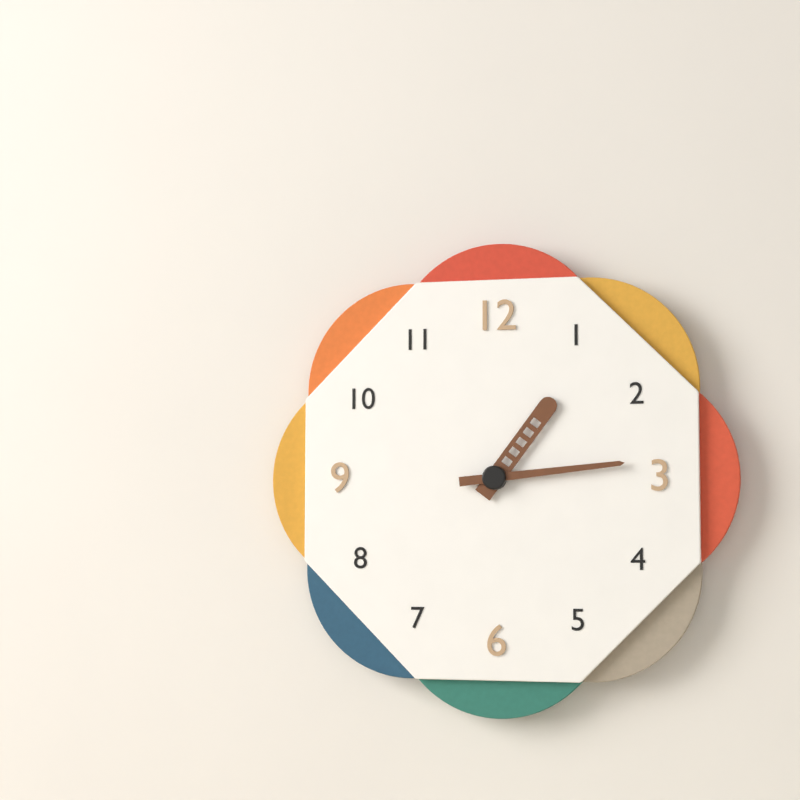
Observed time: 1:14
